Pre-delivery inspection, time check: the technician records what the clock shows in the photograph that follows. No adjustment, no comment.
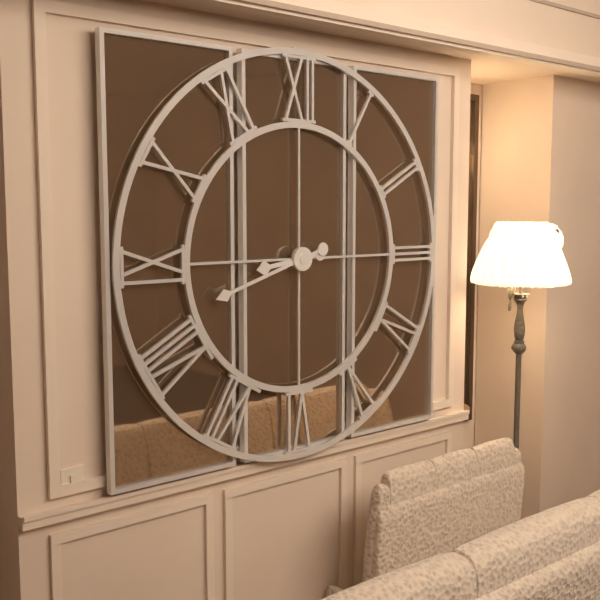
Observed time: 8:42
